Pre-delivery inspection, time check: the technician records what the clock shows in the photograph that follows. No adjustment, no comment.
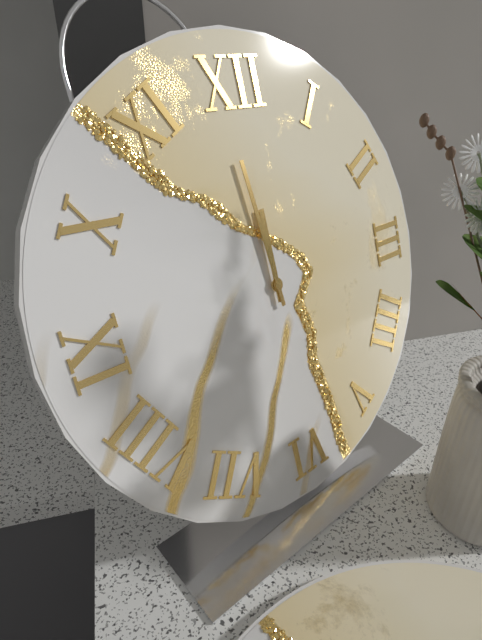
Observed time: 11:59
